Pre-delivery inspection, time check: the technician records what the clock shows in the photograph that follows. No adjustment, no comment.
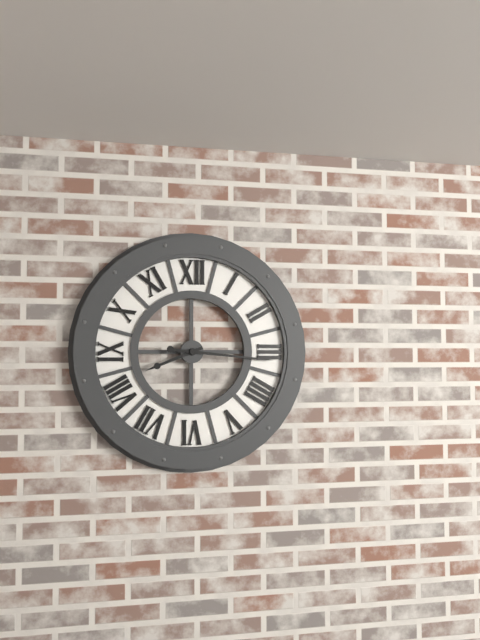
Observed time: 8:16
